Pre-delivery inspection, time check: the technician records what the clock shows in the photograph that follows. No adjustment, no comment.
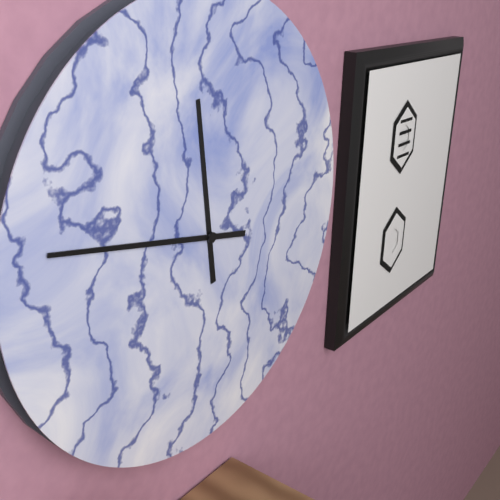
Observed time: 11:47
